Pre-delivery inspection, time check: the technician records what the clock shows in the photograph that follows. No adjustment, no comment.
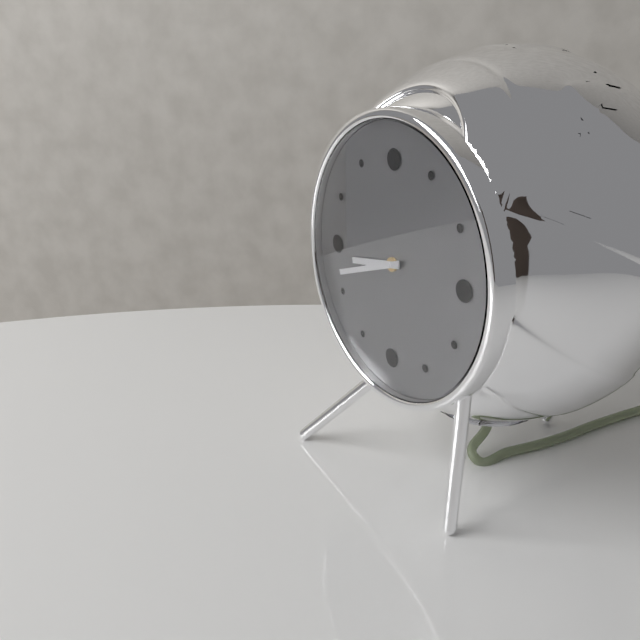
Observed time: 8:42
